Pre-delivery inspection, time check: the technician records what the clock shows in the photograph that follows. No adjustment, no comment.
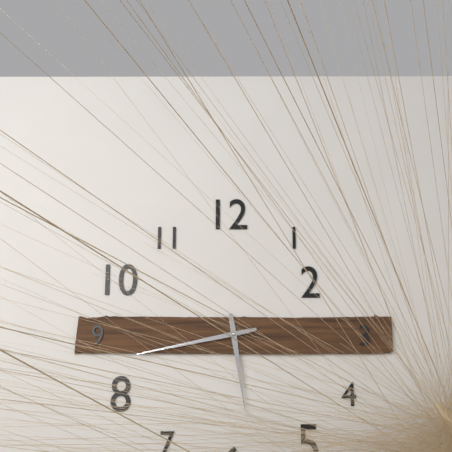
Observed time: 5:43
